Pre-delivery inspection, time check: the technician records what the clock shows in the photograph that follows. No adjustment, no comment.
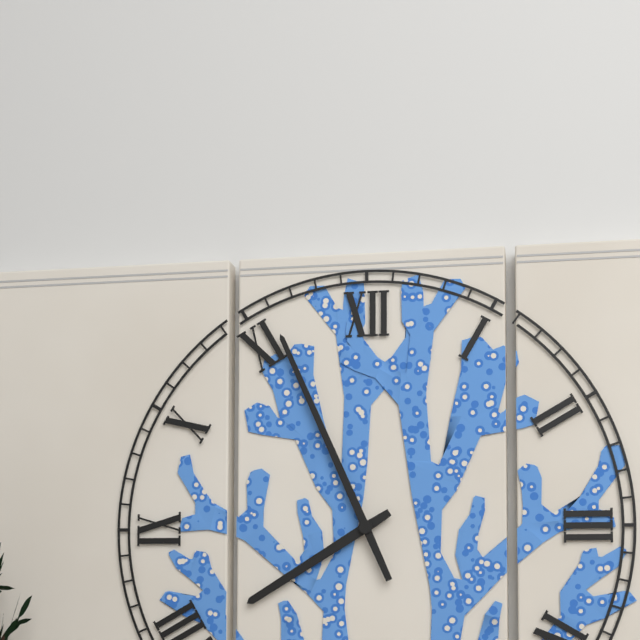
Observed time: 7:56
